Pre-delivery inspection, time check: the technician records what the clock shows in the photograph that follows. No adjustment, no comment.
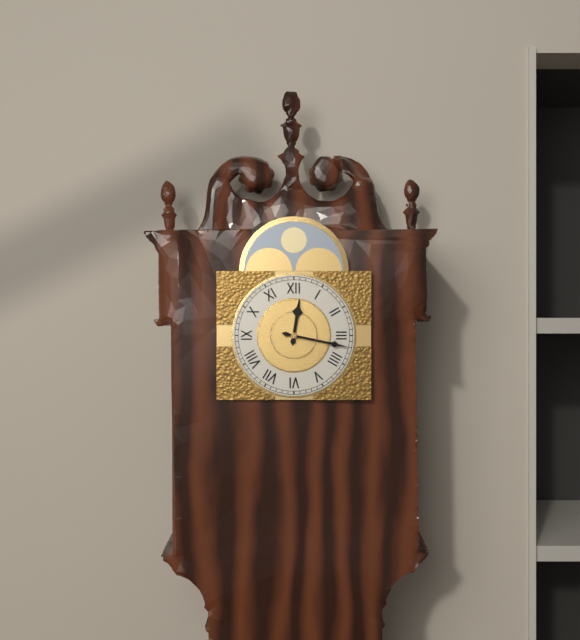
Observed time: 12:17
